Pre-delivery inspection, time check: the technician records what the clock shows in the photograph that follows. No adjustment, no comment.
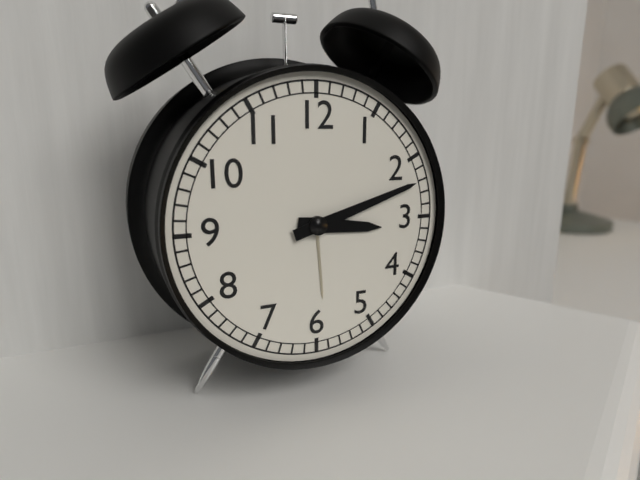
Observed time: 3:12
